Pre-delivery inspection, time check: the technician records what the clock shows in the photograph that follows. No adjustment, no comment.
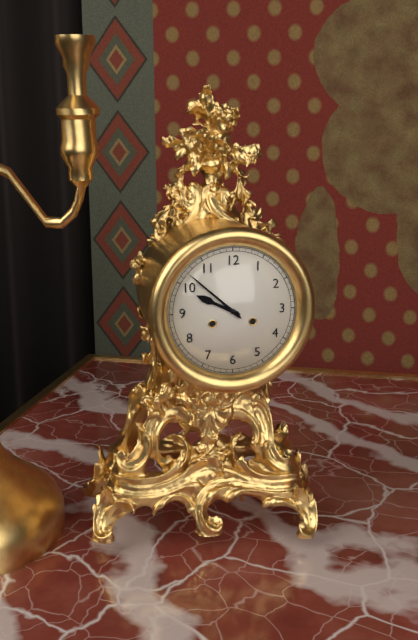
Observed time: 9:52
